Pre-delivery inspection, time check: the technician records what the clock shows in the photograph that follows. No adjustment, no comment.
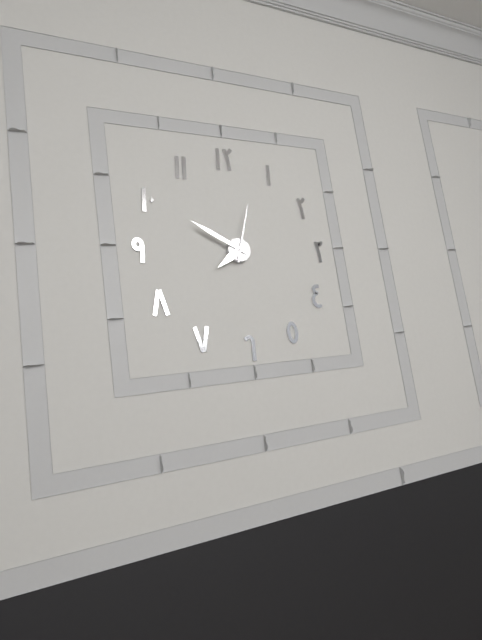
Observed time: 7:50:03
